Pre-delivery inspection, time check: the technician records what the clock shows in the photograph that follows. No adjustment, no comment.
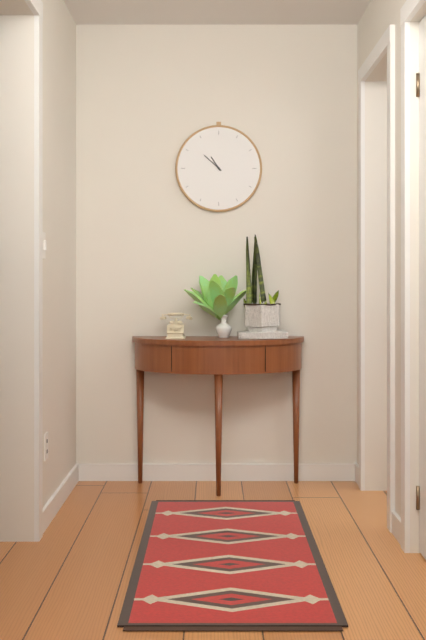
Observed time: 10:52
